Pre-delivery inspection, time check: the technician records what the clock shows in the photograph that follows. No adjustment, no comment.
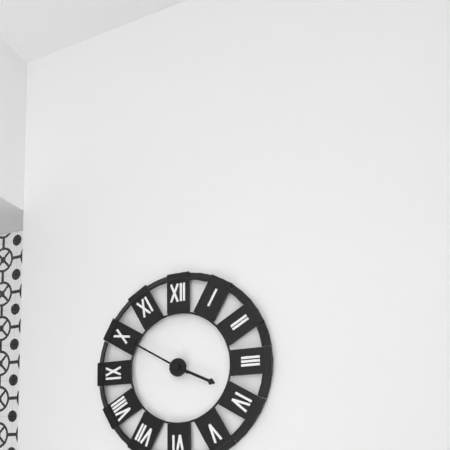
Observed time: 3:50
